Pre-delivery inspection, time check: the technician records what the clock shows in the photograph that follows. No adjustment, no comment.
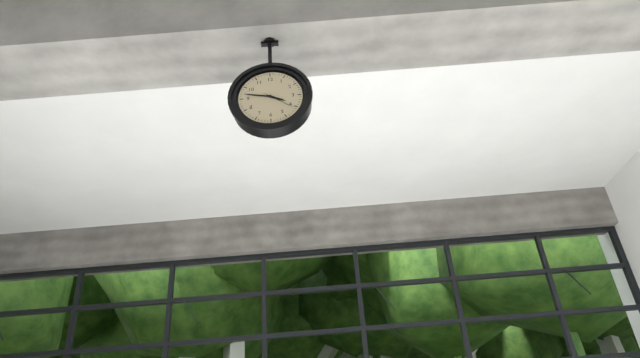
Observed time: 3:47
